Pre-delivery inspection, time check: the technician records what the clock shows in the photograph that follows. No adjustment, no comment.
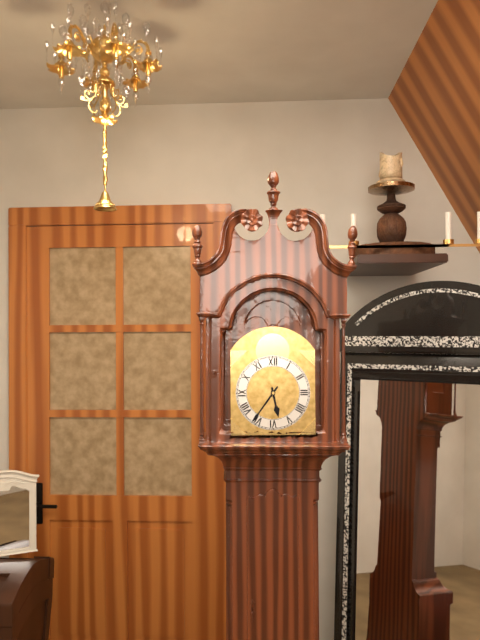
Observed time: 5:36
